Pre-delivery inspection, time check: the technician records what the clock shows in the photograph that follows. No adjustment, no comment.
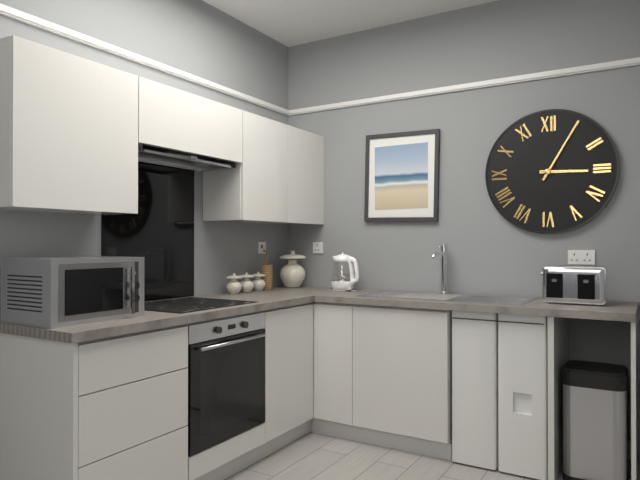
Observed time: 3:05
